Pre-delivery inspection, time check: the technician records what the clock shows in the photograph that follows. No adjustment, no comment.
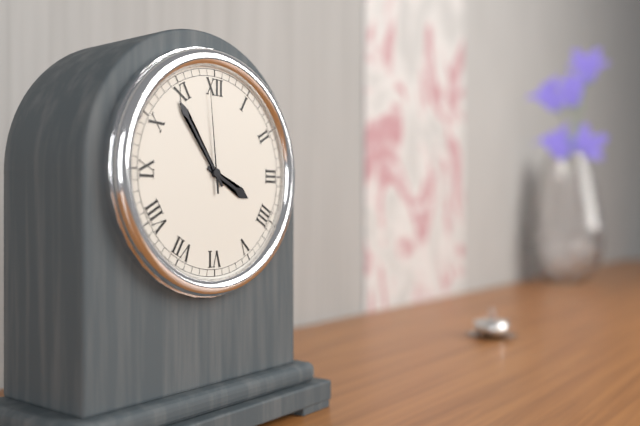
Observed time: 3:54:59
